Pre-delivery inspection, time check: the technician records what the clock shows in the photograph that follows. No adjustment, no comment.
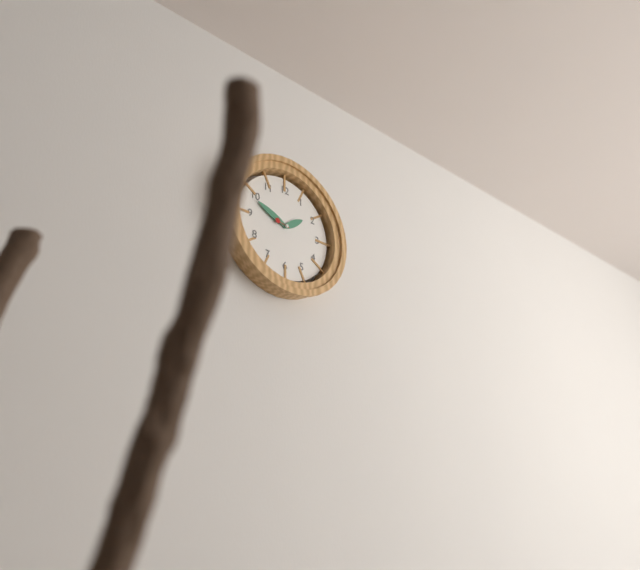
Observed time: 1:49
